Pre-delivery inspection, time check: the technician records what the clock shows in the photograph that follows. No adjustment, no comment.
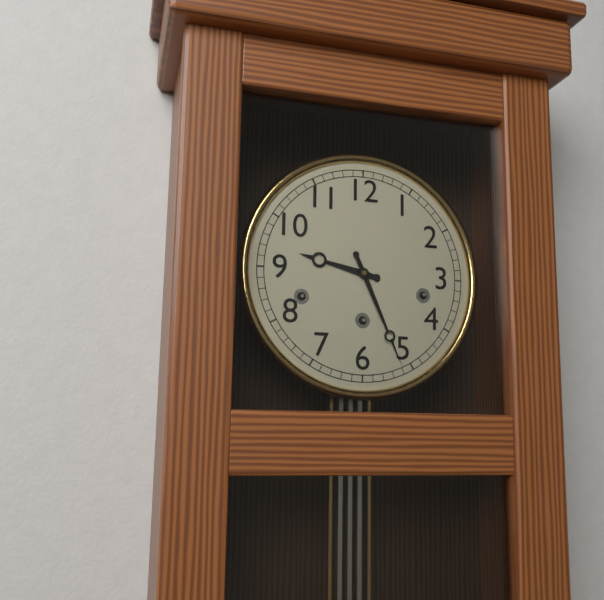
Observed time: 9:26
